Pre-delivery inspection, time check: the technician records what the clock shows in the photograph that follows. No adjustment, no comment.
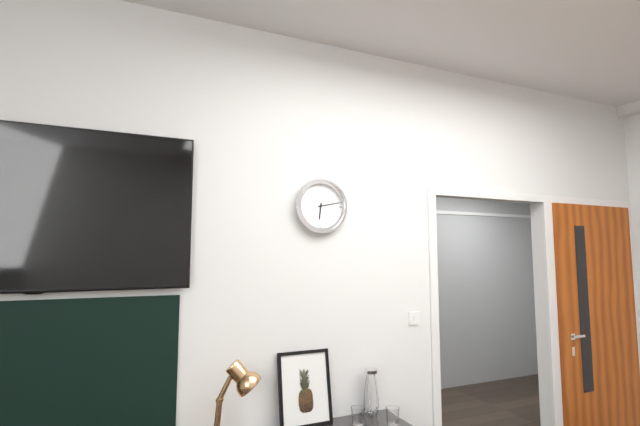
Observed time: 6:13
